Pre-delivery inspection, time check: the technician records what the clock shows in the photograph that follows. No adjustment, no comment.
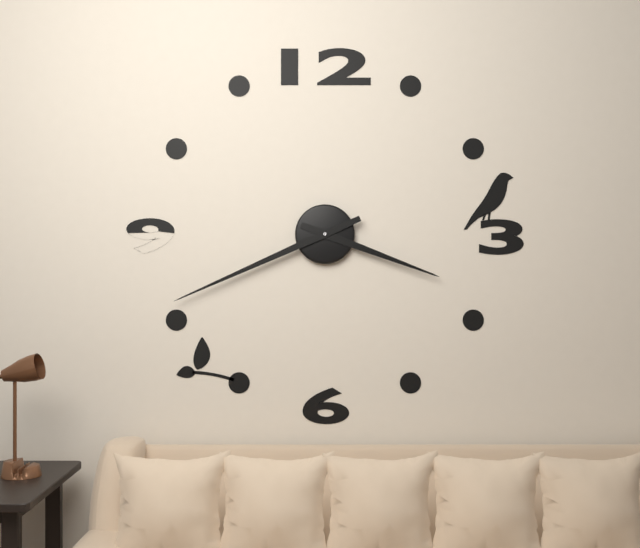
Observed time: 3:41
